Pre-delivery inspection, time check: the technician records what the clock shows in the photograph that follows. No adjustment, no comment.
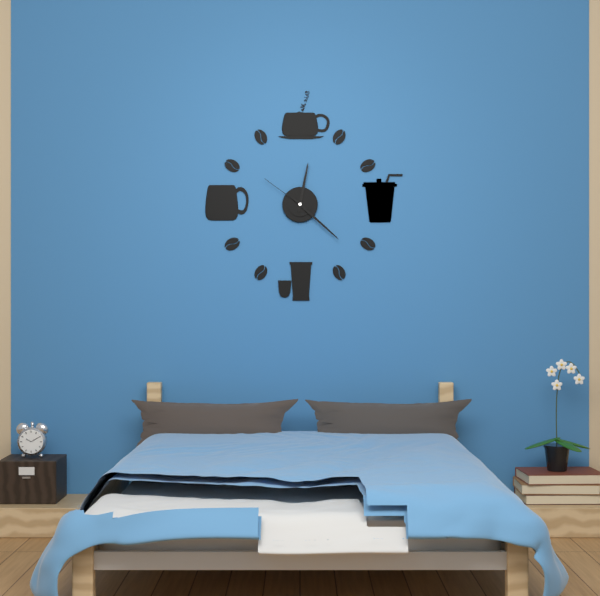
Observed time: 12:22:51
